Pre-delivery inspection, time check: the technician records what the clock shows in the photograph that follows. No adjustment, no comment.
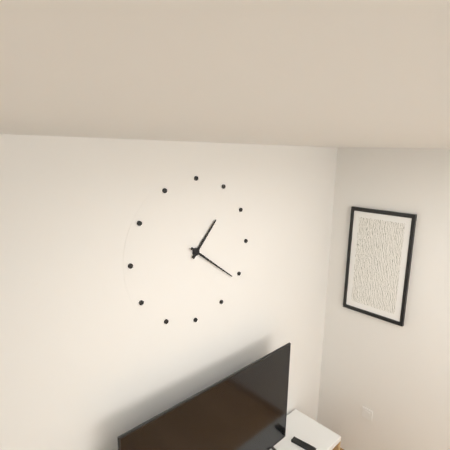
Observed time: 1:21
